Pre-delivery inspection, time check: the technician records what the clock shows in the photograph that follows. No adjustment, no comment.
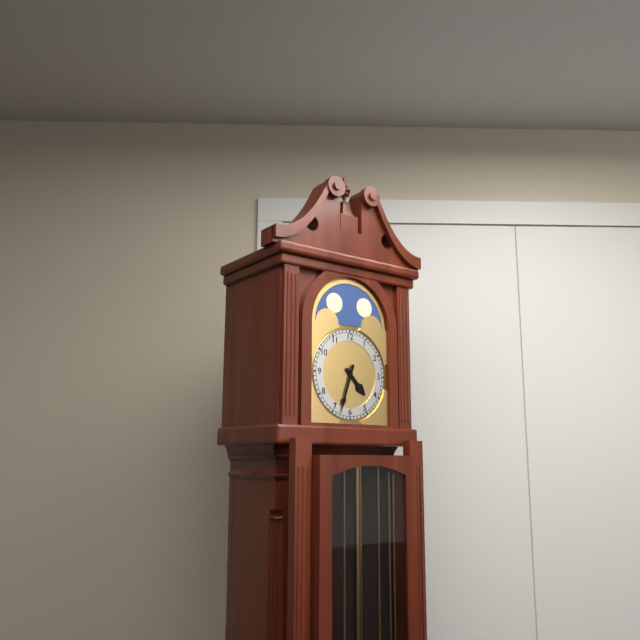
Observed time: 4:33
